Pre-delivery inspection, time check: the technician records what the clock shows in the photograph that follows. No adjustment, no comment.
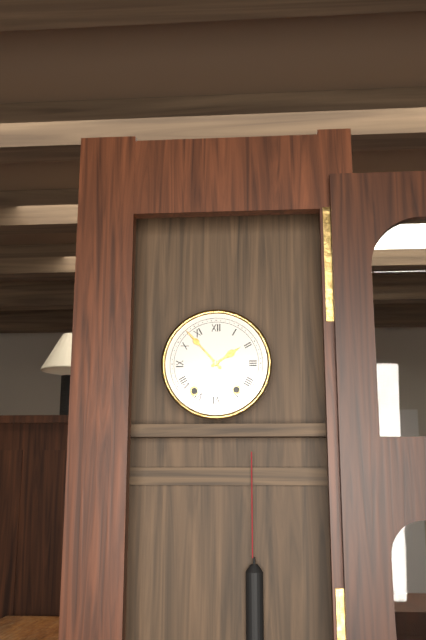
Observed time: 1:53
